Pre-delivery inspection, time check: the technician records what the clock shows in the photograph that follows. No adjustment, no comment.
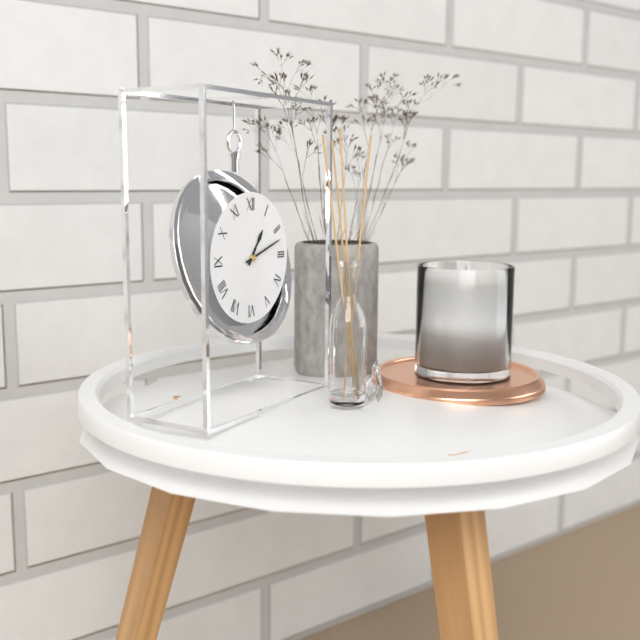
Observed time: 1:12
